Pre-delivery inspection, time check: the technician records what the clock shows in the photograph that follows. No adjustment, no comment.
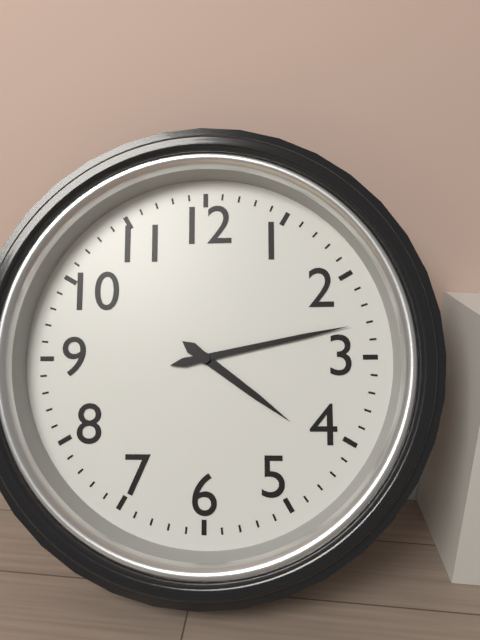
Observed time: 4:13
